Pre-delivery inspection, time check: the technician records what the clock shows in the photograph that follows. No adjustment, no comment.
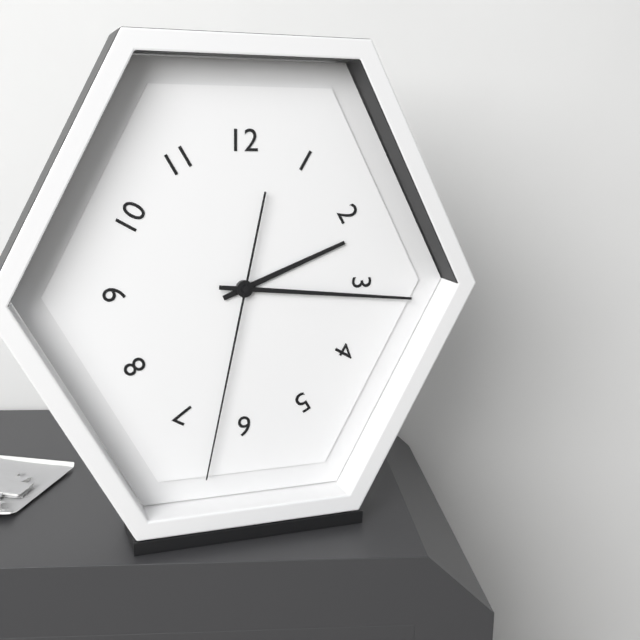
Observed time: 2:16:32
